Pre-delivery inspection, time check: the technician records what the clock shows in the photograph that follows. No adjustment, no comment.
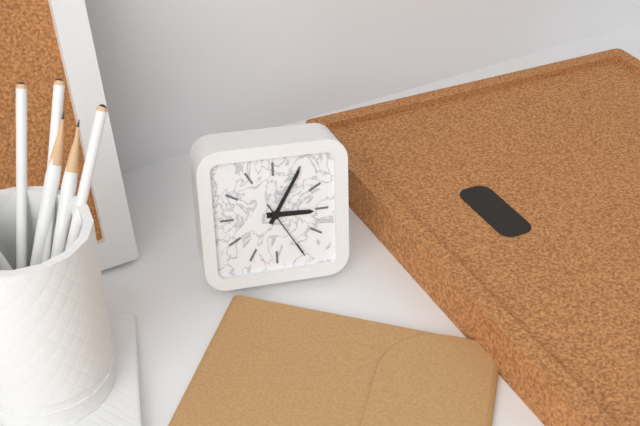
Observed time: 3:05:25
